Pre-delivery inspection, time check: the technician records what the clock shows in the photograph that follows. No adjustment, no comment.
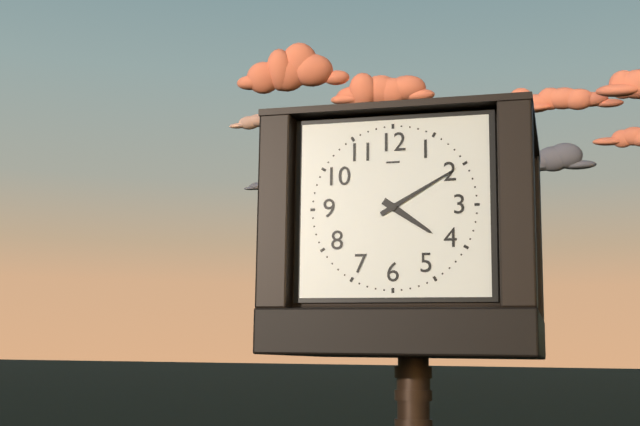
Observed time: 4:10
